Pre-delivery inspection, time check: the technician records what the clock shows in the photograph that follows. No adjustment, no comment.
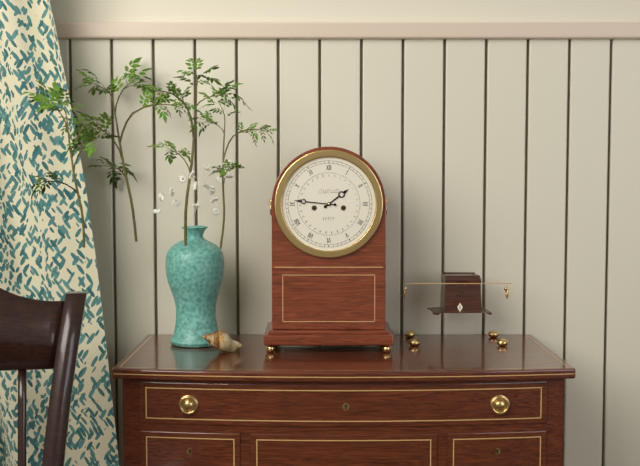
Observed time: 1:46
